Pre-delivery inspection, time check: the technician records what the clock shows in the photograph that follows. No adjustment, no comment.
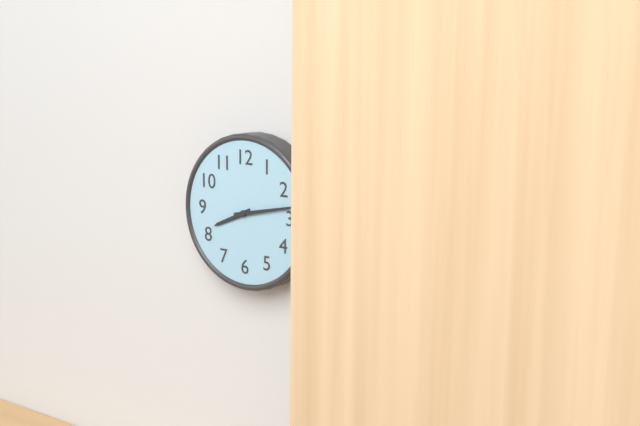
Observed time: 8:13
